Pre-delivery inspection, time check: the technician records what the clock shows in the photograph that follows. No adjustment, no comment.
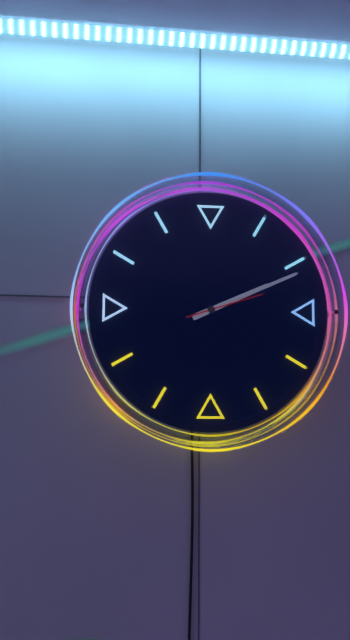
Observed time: 2:11:12
